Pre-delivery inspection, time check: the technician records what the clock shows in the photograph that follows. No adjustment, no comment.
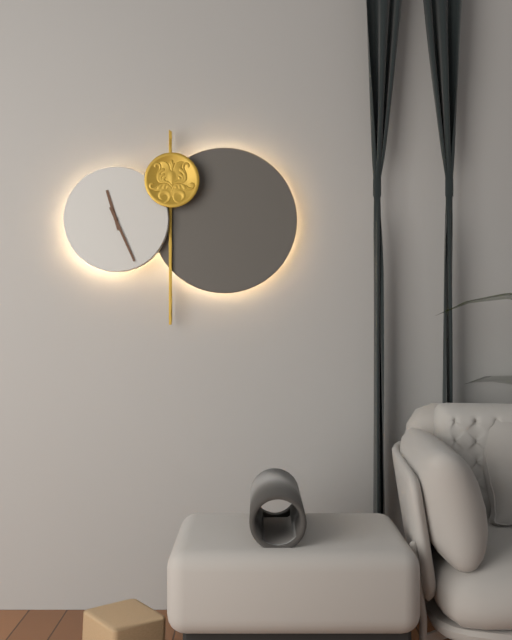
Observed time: 11:26
